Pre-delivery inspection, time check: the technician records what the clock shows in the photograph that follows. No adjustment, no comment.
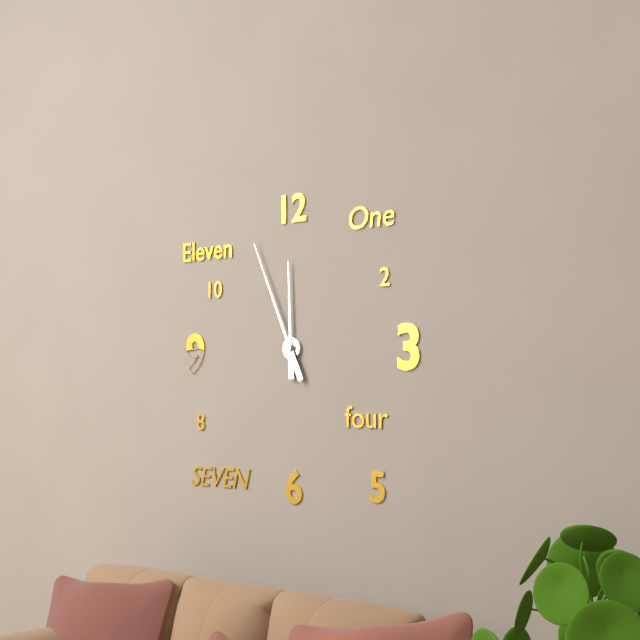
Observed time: 11:56
